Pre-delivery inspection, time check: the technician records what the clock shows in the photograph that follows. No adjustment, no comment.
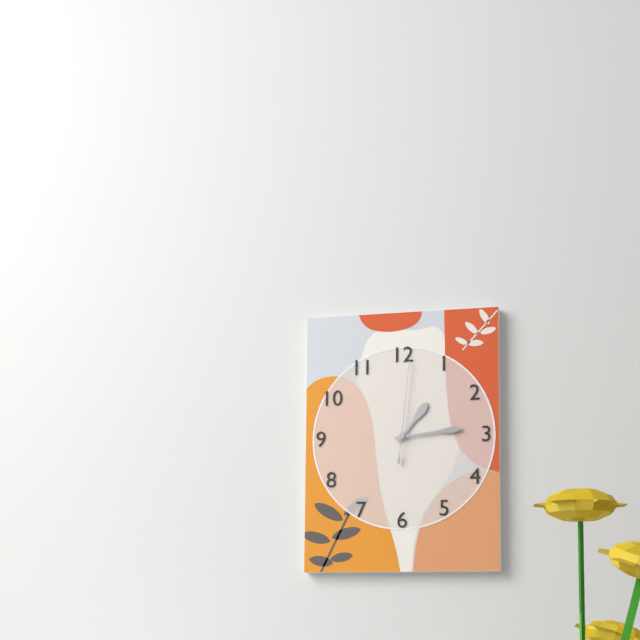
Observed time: 1:14:01
